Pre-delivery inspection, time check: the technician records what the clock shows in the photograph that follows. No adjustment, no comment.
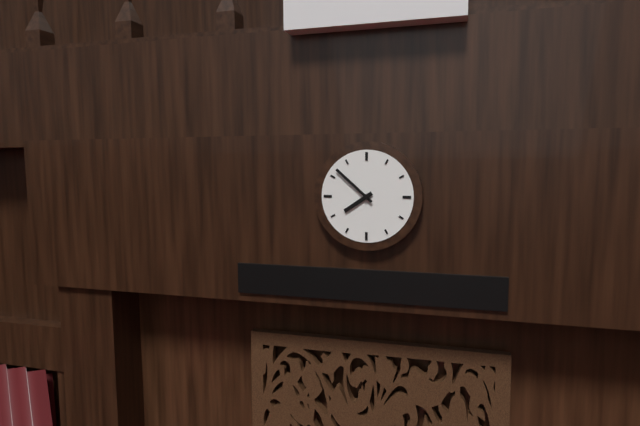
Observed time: 7:52
